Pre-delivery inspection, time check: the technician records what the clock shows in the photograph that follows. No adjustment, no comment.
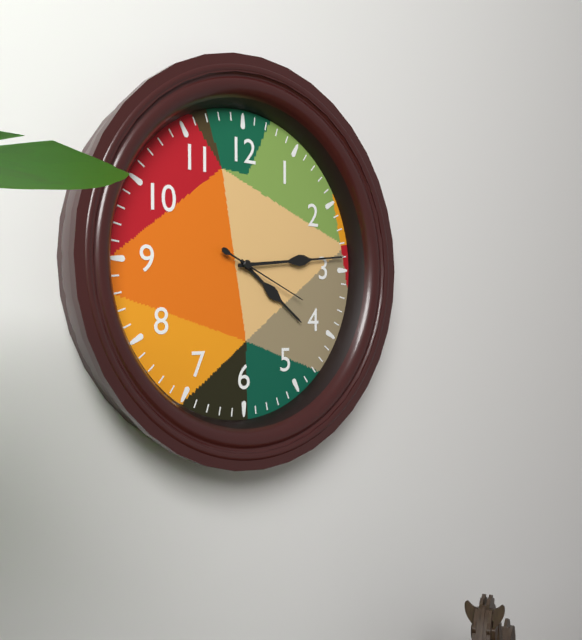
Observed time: 4:14:19
